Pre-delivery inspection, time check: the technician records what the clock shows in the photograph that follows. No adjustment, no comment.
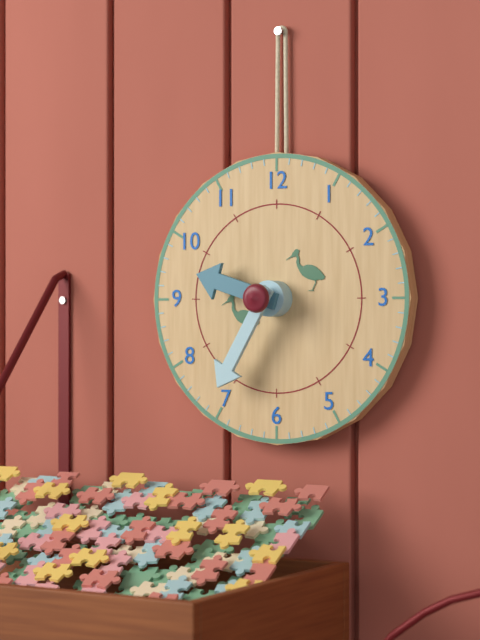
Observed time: 9:35
